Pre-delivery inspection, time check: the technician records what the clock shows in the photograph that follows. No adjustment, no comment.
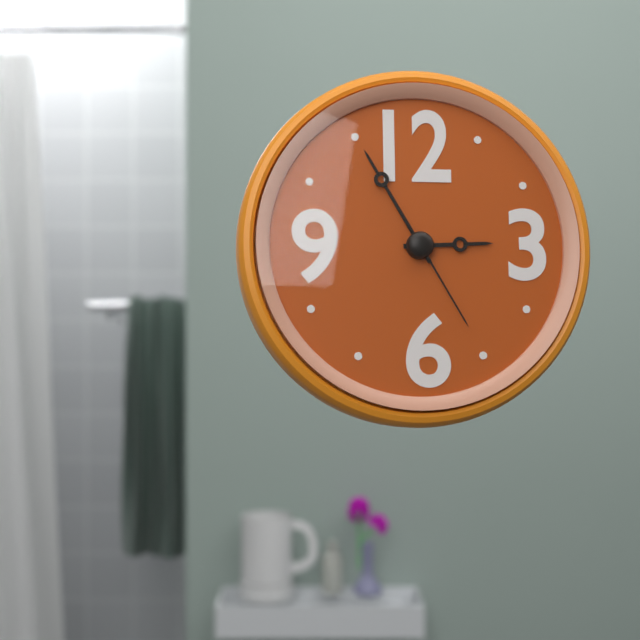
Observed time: 2:55:25
